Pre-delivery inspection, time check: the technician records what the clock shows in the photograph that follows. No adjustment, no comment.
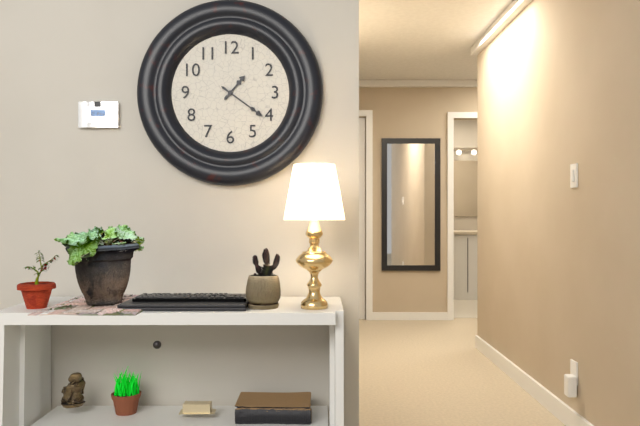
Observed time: 1:21
